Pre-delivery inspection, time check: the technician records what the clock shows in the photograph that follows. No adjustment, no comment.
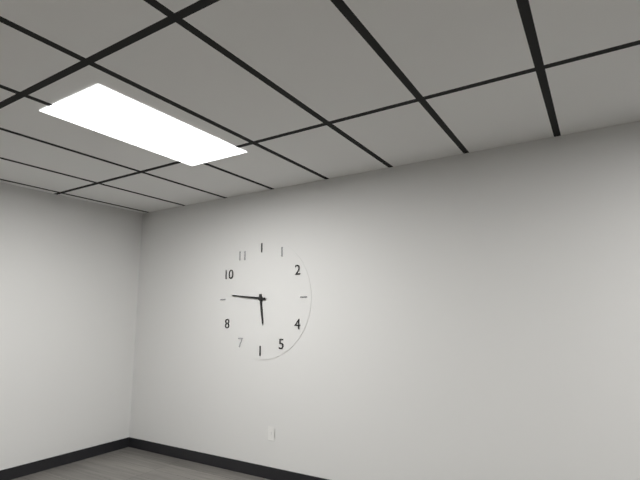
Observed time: 5:46
